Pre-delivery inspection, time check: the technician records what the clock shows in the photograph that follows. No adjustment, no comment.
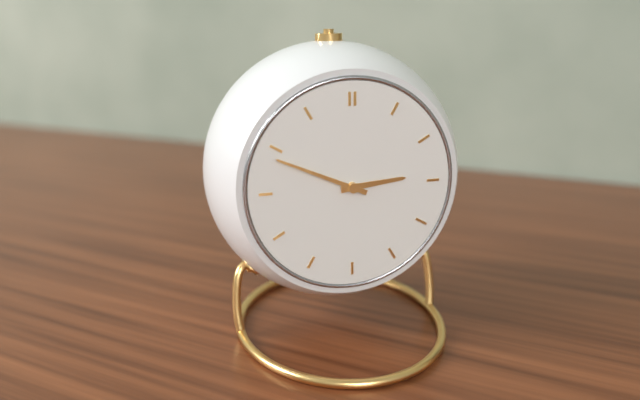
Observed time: 2:49
